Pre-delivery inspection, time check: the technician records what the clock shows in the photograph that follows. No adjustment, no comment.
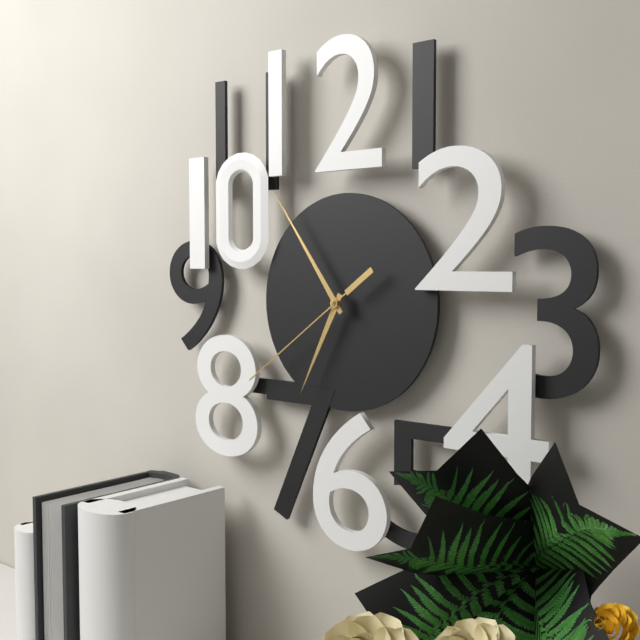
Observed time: 6:54:39
